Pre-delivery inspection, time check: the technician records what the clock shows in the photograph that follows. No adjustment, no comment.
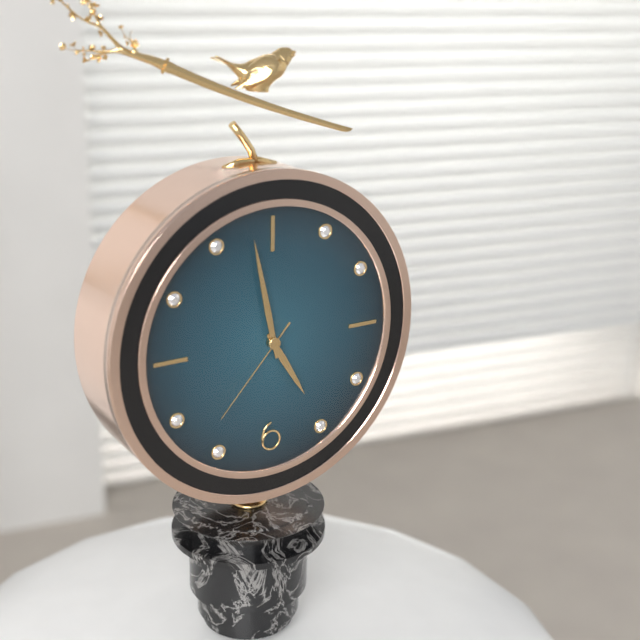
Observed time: 4:58:37
